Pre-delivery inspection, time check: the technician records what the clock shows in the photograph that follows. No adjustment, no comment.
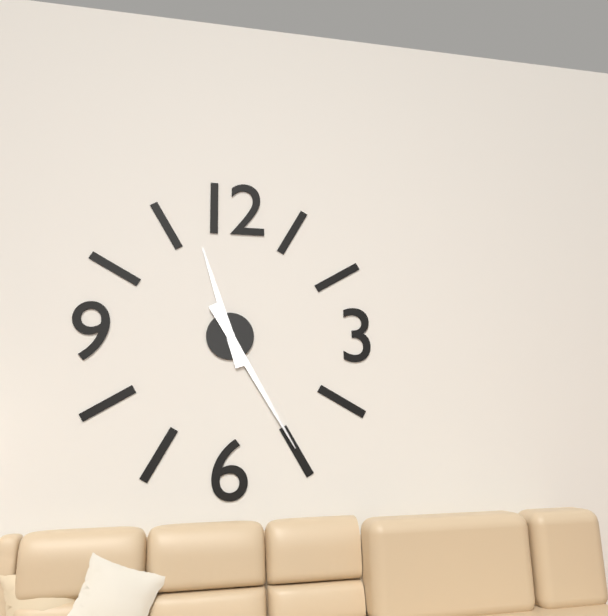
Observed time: 11:25
